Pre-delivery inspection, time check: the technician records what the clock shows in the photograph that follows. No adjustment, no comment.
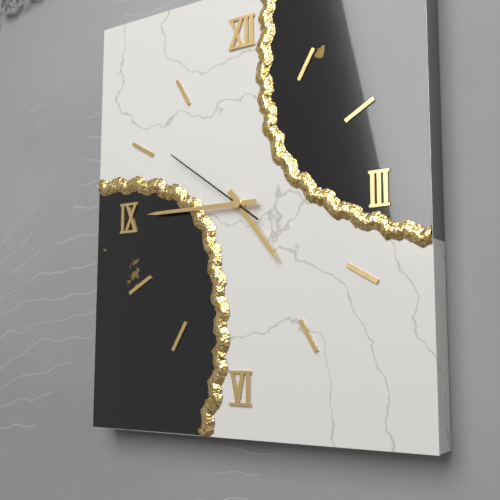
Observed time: 4:45:51
